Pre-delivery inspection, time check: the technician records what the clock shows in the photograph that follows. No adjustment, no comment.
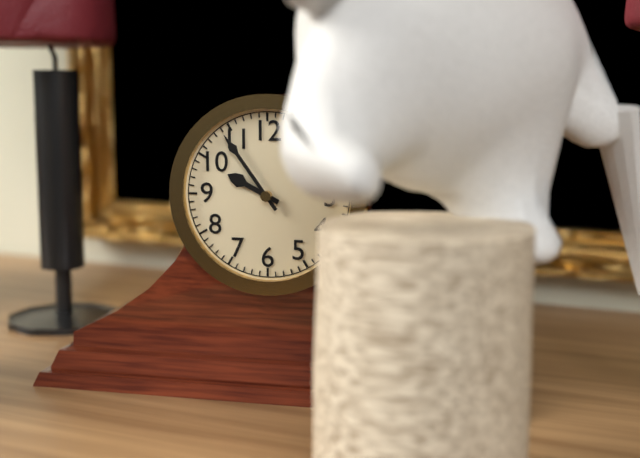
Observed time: 9:54
